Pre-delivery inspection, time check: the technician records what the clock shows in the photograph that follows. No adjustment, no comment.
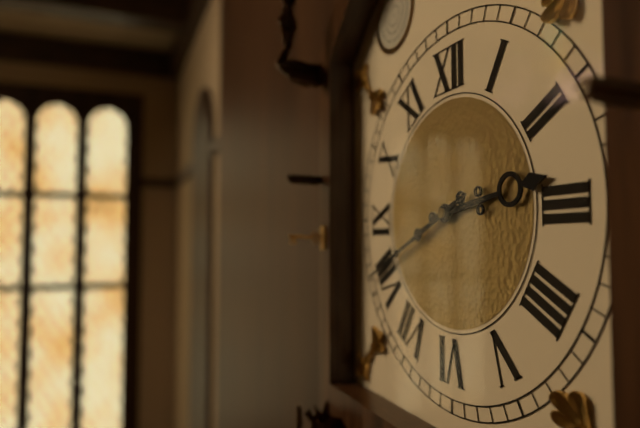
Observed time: 2:41
